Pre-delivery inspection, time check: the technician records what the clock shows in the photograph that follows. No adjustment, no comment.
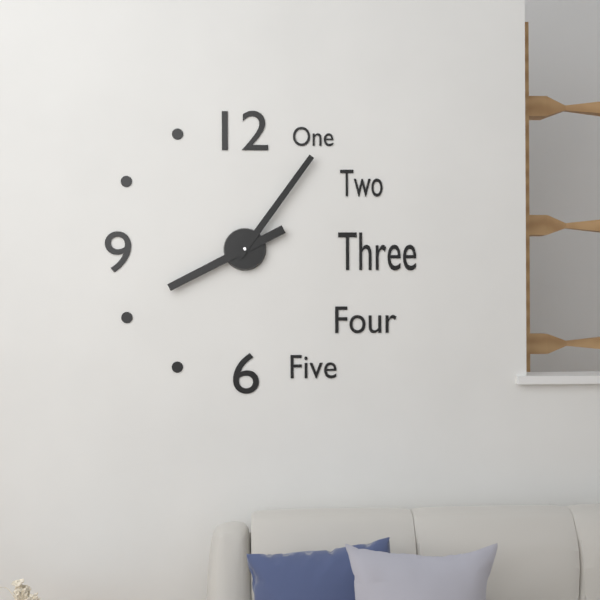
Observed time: 8:06
